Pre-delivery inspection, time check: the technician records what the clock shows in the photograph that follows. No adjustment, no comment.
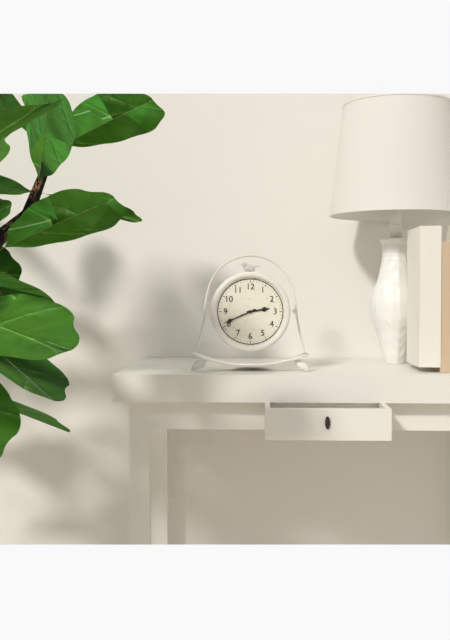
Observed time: 2:41
